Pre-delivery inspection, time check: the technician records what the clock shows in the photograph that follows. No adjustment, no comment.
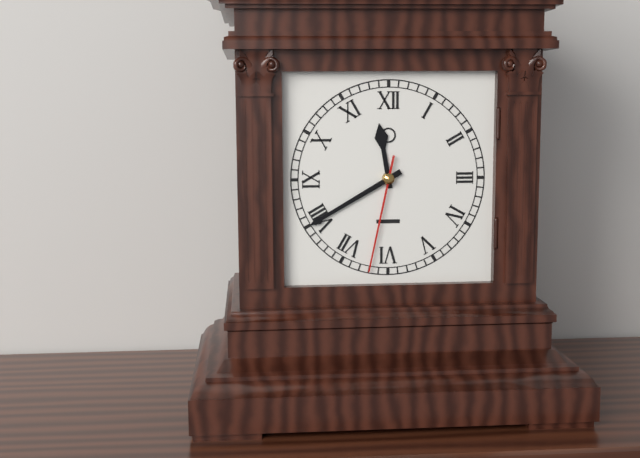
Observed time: 11:40:32
